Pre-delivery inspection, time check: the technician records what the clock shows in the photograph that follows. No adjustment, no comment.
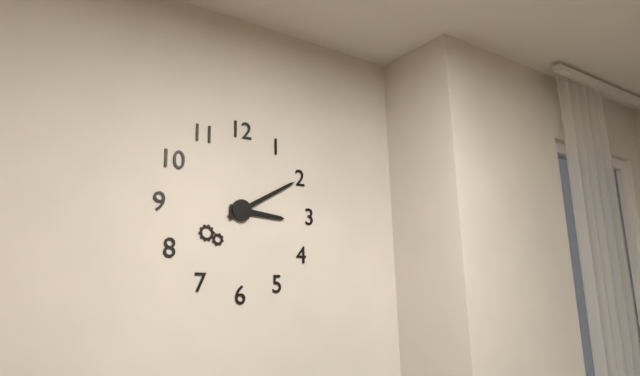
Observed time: 3:10
